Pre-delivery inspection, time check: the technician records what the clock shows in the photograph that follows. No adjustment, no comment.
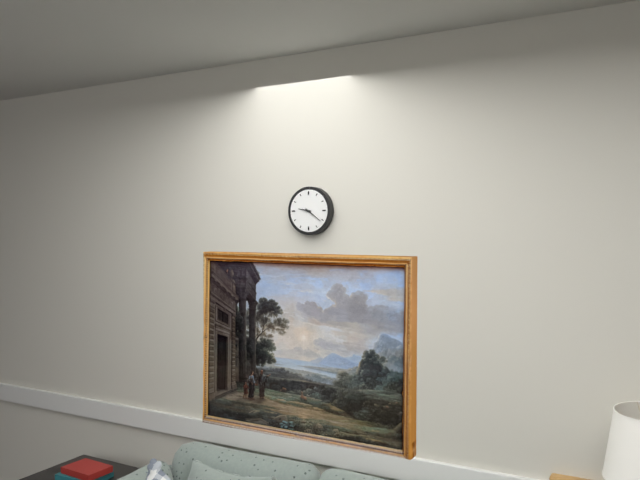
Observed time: 9:21
